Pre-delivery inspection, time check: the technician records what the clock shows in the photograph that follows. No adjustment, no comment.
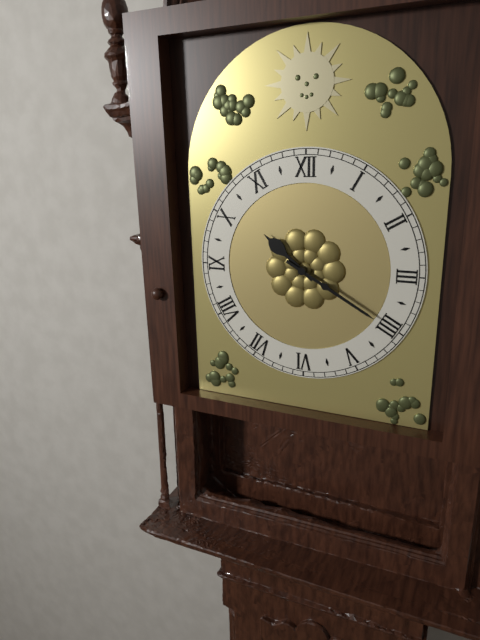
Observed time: 10:20
